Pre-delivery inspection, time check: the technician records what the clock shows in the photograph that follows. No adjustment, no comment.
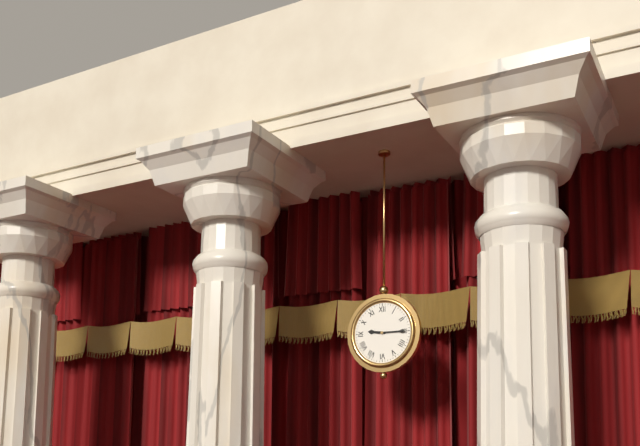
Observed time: 9:15
